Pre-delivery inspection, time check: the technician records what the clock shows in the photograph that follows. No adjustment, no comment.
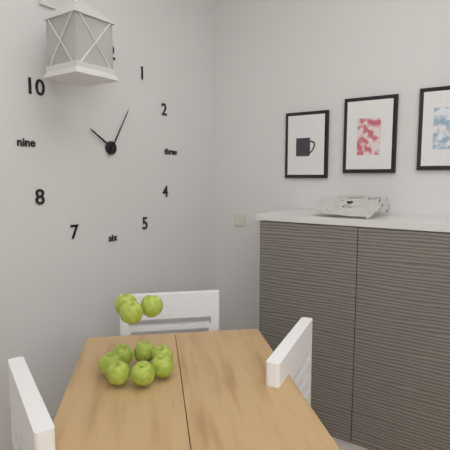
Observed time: 10:05
